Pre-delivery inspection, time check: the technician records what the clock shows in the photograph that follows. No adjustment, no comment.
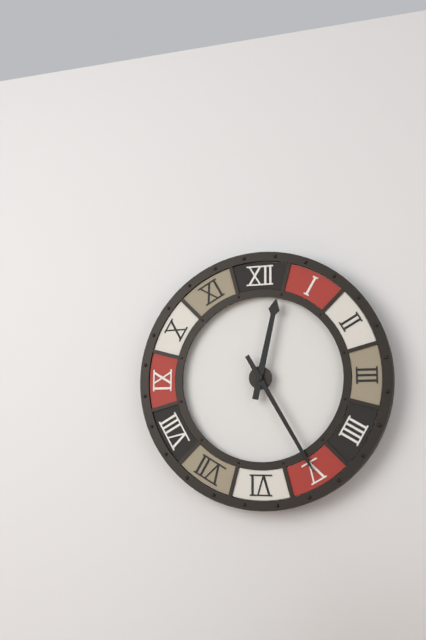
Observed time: 12:25
